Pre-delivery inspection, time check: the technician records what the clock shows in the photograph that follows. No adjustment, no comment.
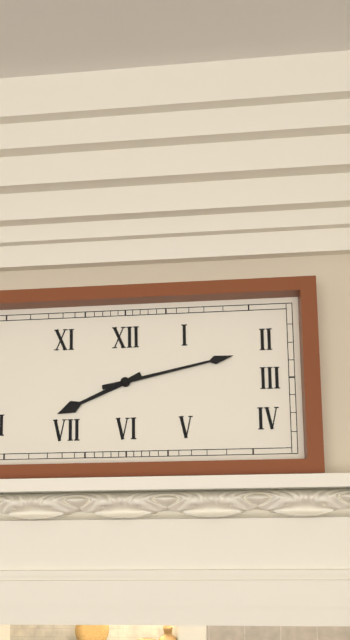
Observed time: 8:13
